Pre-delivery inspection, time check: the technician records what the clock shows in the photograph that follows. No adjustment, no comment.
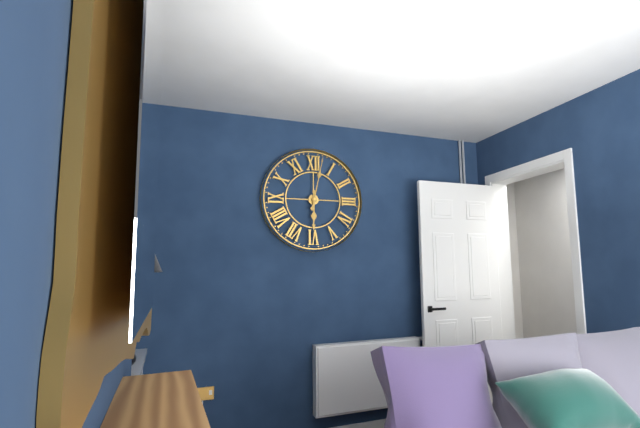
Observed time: 6:02
